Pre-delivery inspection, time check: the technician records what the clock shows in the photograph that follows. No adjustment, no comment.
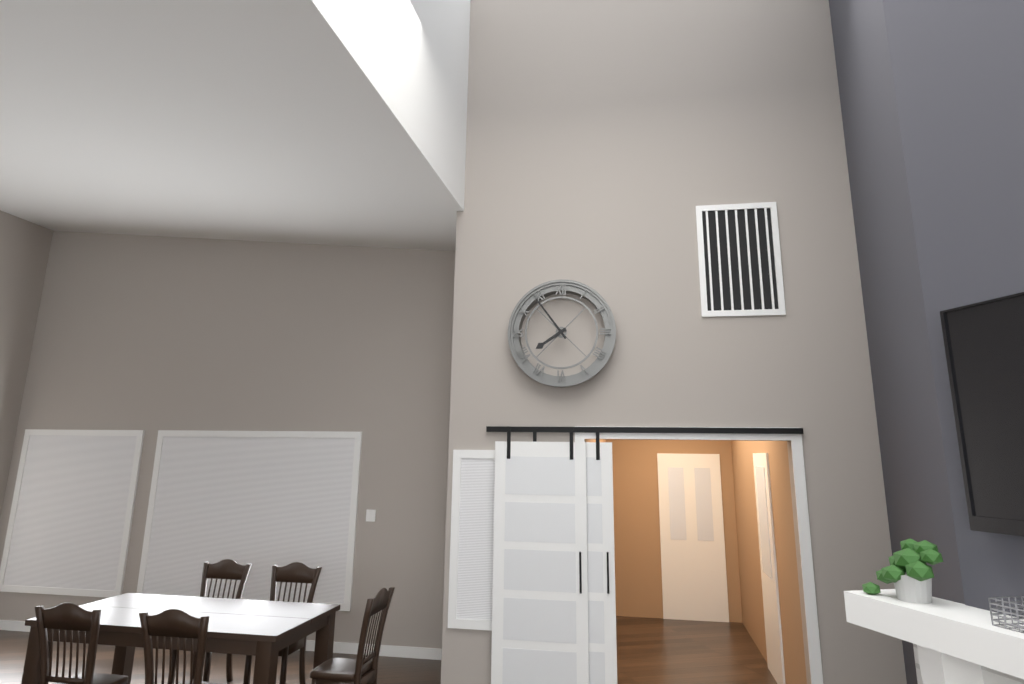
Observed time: 7:54
